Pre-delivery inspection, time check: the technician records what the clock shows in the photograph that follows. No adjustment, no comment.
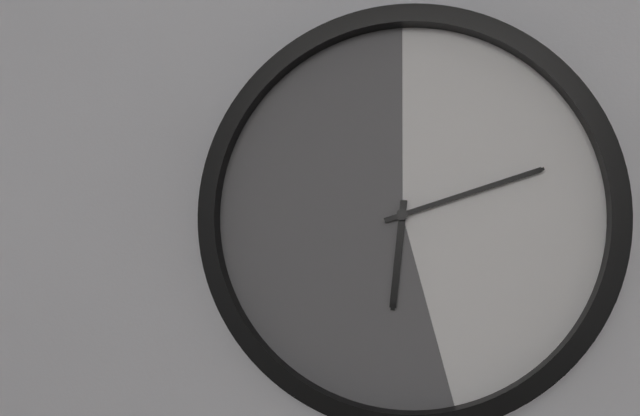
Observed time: 6:12
